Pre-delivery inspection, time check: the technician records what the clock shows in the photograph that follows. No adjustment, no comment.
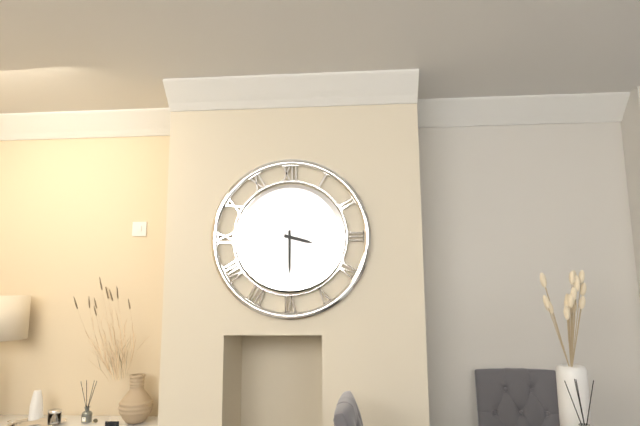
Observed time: 3:30
